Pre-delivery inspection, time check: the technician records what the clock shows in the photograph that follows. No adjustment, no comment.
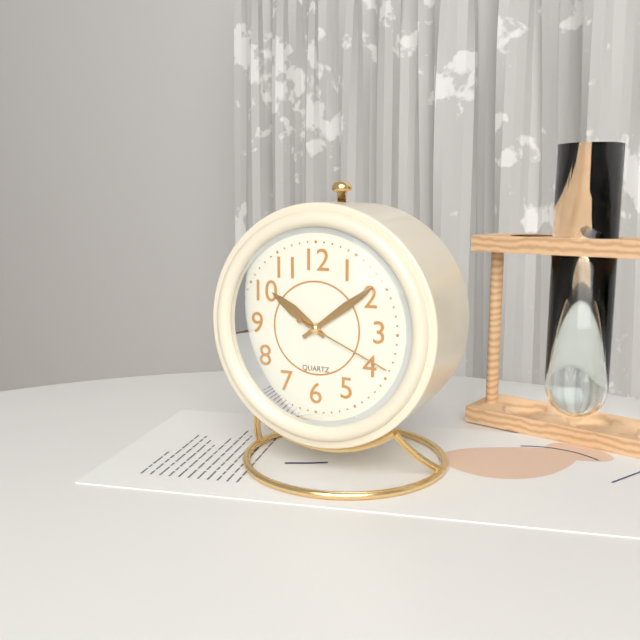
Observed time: 10:09:19
